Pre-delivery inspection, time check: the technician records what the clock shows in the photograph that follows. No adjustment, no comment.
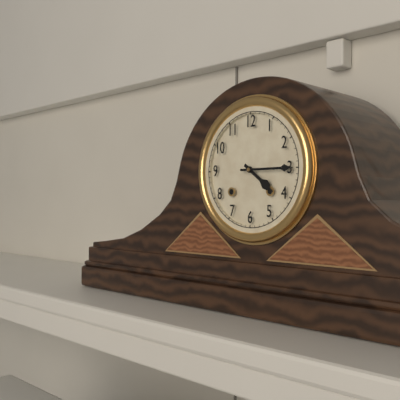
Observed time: 4:15
